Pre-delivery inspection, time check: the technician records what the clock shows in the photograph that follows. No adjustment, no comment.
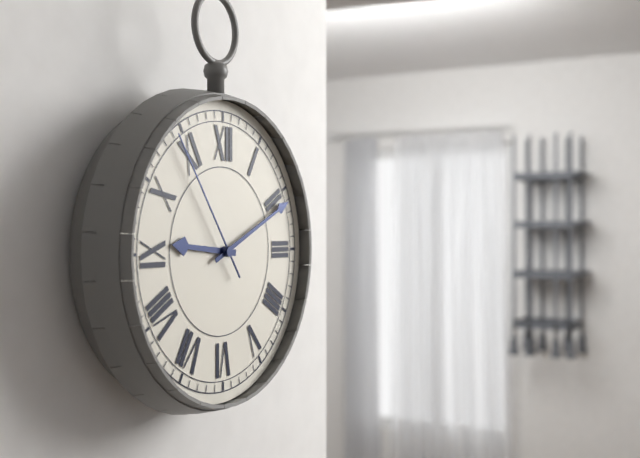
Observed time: 9:11:54
